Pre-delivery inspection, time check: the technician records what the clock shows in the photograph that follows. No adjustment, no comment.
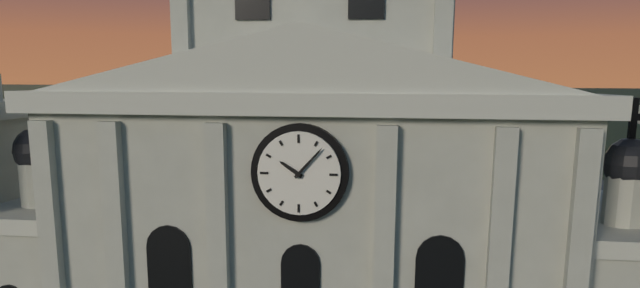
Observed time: 10:07
